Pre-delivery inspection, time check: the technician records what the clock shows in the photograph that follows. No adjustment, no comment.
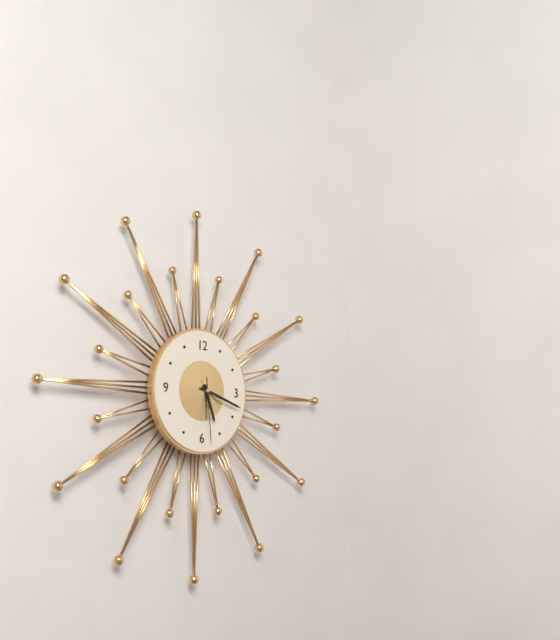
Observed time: 5:18:29
